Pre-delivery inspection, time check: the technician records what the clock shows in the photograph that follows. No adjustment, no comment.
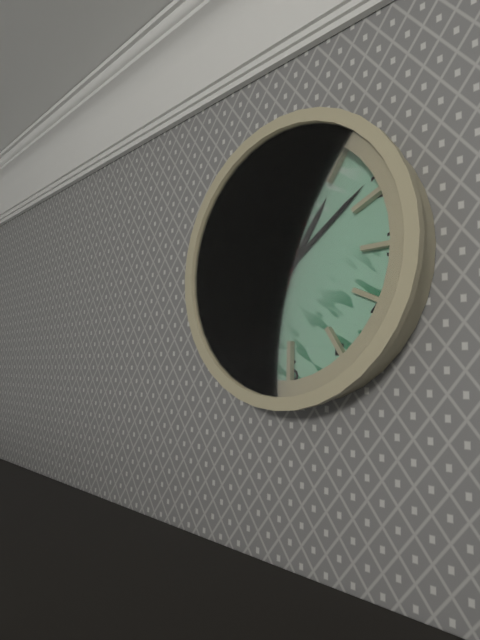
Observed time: 1:09:03
